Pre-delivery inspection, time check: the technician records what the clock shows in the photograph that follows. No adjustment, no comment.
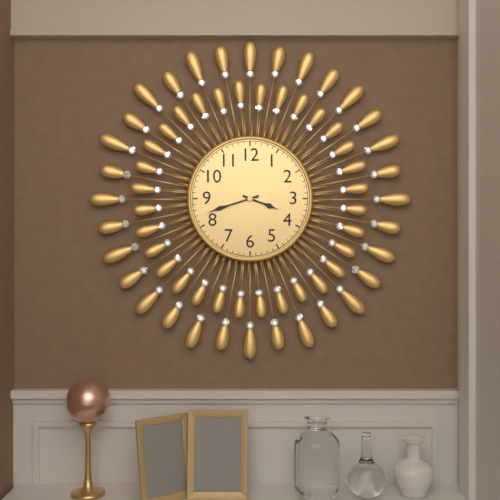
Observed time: 3:42
